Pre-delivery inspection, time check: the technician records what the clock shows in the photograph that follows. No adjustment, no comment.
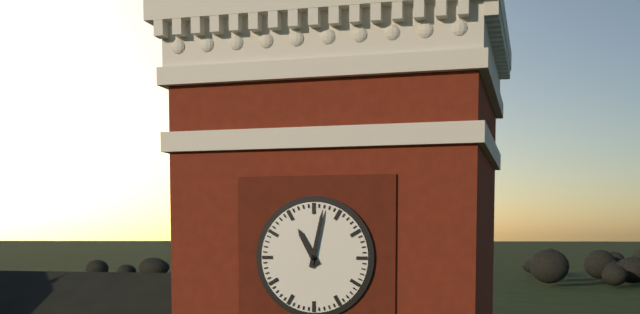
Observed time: 11:02
